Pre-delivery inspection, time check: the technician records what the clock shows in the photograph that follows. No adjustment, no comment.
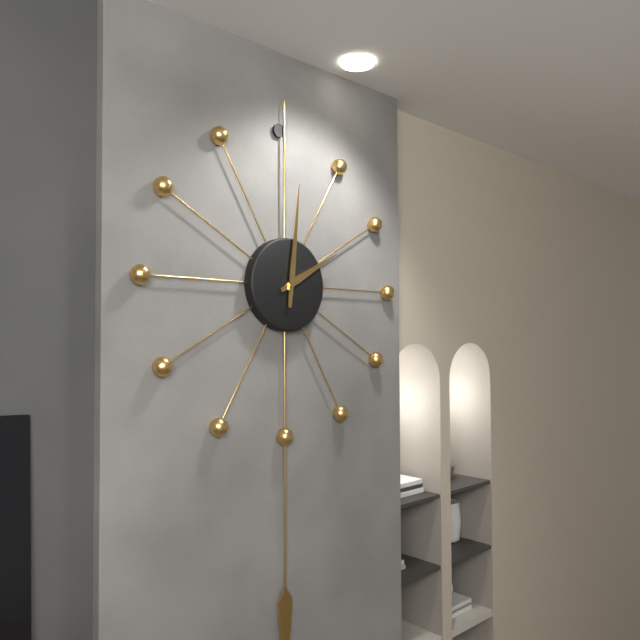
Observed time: 2:01
